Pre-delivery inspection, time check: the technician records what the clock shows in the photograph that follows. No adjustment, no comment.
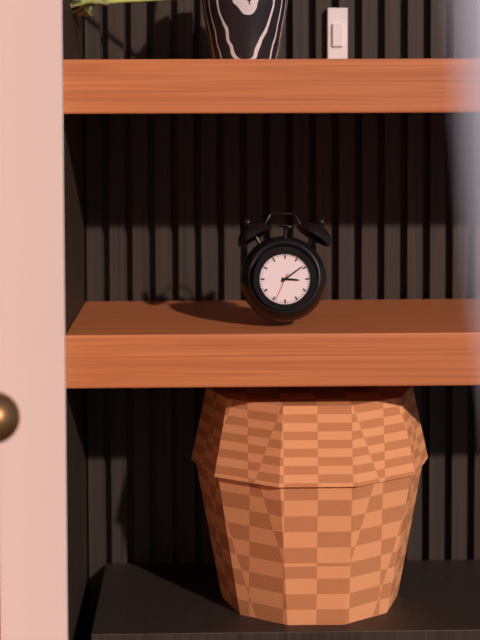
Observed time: 3:09
